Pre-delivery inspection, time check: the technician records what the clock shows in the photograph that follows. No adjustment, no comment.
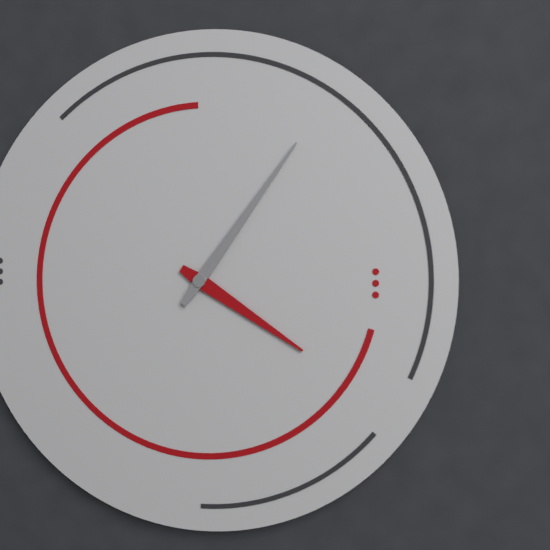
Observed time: 4:06
